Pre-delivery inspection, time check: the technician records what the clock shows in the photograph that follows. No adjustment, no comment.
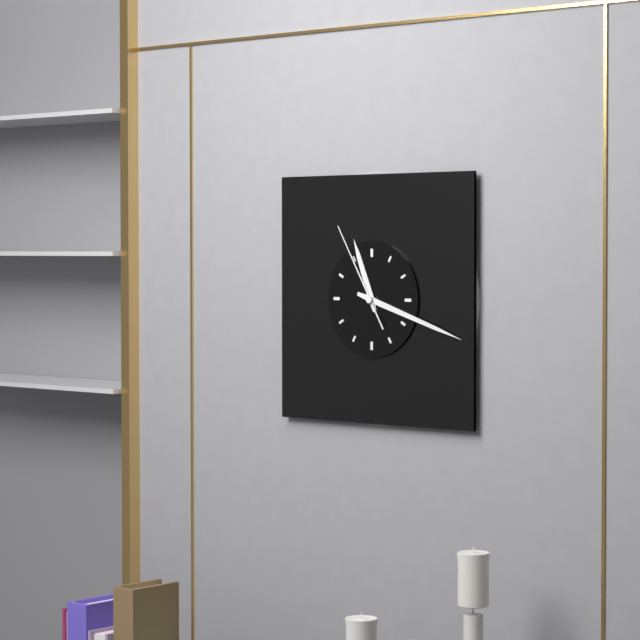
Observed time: 11:18:55
